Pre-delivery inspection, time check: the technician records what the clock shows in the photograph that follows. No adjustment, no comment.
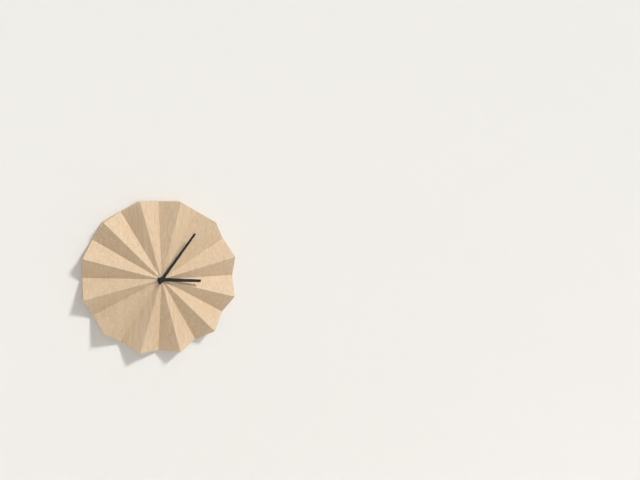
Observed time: 3:06
